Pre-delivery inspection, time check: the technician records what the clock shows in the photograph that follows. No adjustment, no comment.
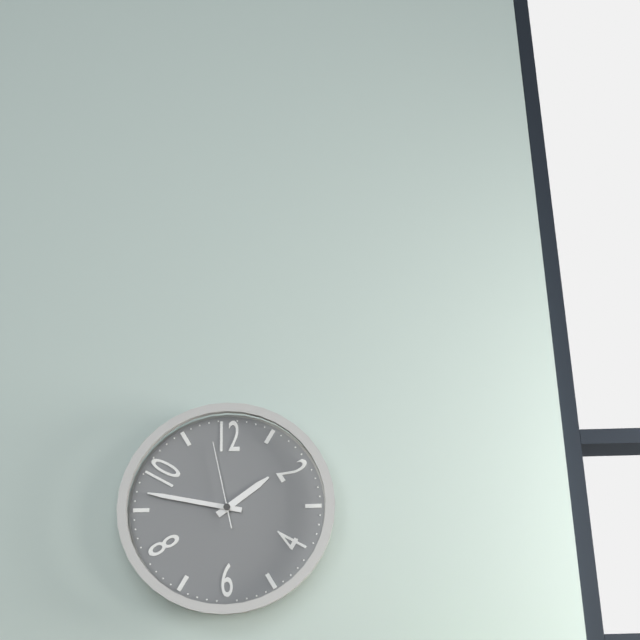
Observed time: 1:47:58
